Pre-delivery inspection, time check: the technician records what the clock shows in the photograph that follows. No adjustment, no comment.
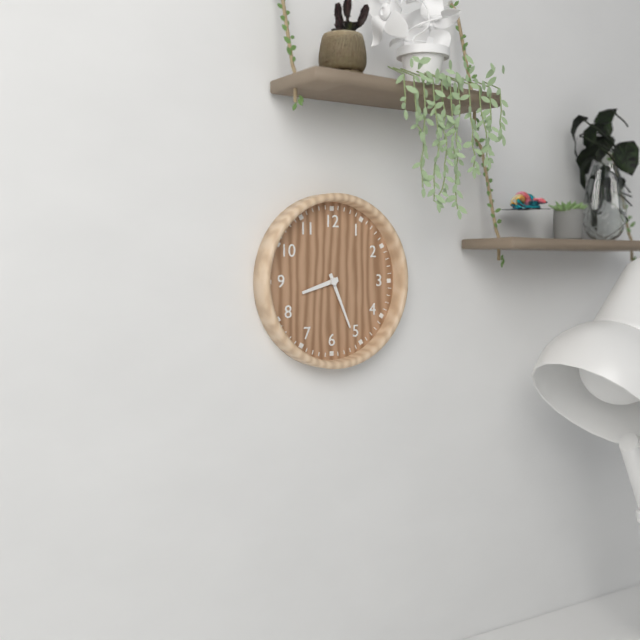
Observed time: 8:26
